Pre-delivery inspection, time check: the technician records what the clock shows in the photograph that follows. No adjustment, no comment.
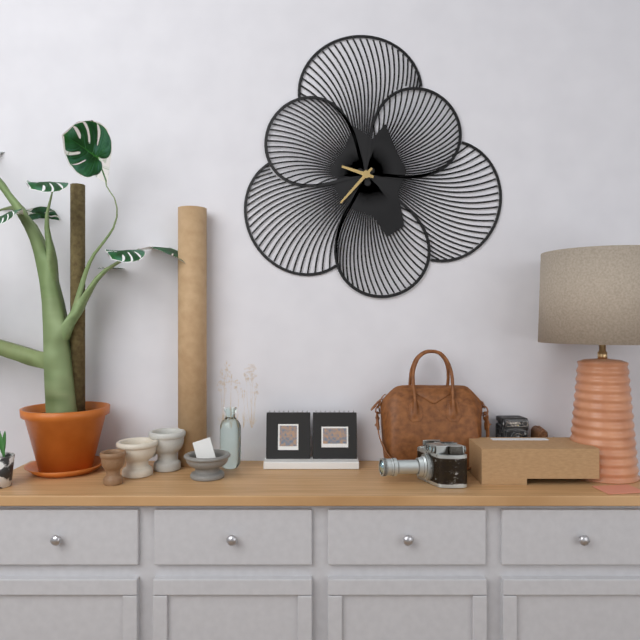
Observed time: 9:37
